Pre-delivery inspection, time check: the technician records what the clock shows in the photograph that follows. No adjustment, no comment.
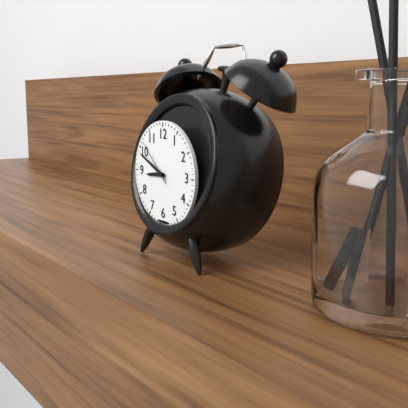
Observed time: 8:49
